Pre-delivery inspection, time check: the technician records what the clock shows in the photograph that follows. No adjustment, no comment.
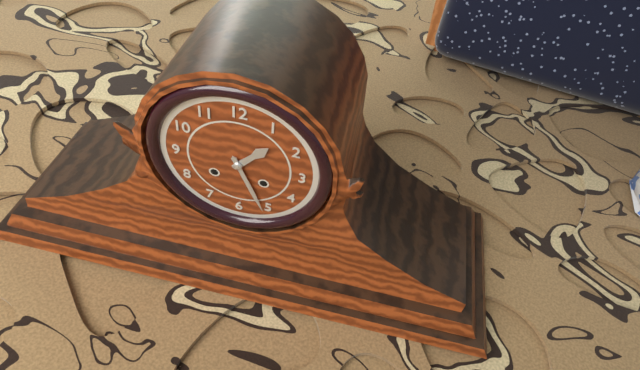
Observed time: 1:26
